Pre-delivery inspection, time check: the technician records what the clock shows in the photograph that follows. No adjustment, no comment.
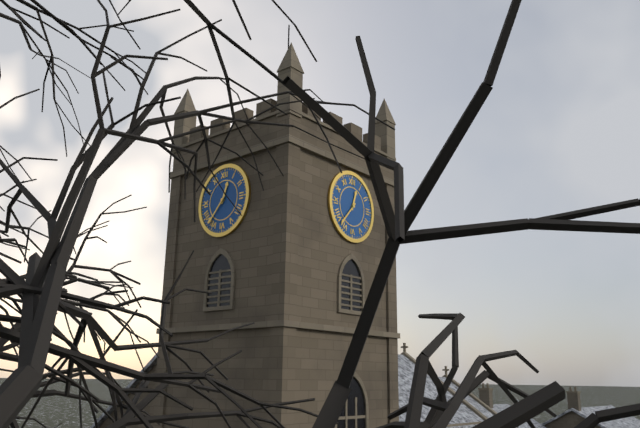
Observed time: 12:37
